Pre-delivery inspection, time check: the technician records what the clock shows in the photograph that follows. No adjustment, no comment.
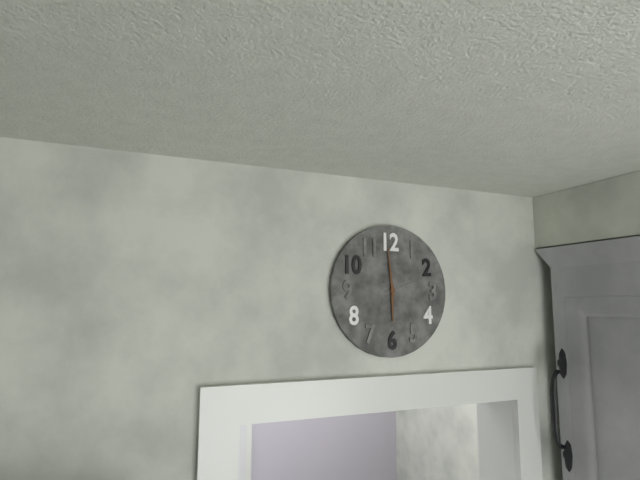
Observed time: 5:59
